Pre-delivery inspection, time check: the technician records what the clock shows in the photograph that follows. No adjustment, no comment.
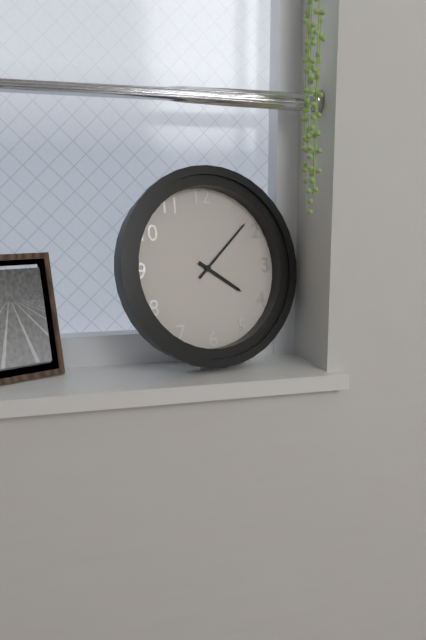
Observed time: 4:08
